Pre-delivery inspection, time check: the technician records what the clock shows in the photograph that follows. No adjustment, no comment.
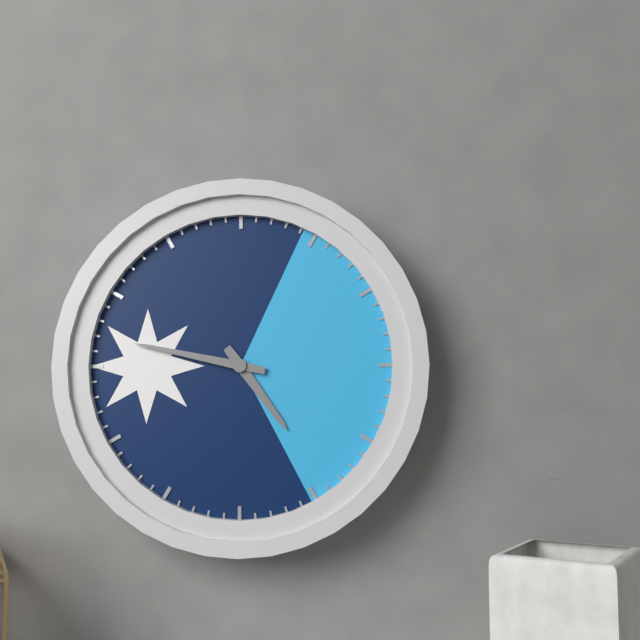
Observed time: 4:47
